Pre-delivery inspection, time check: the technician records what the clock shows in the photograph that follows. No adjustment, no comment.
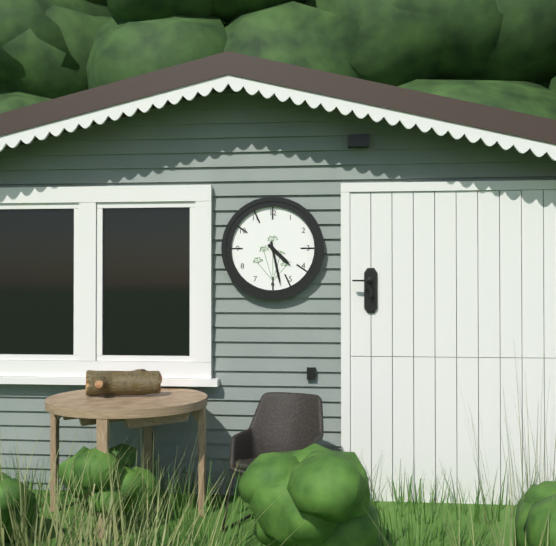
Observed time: 4:28
